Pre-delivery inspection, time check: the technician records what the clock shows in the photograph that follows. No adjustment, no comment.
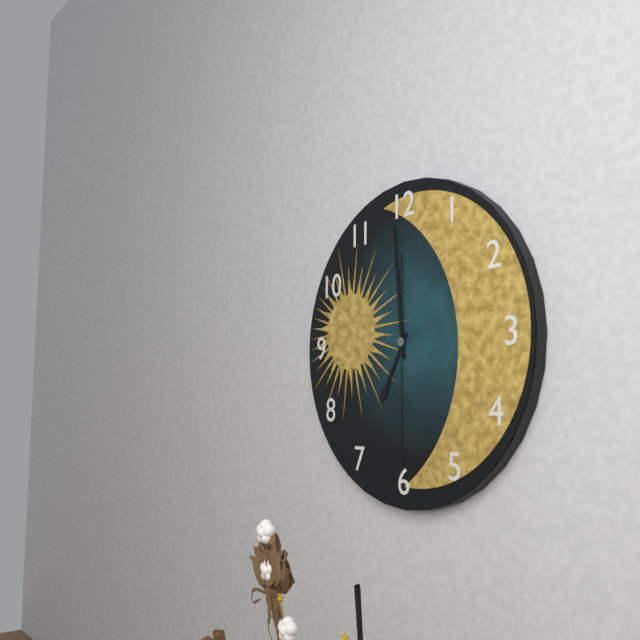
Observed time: 6:59:30
